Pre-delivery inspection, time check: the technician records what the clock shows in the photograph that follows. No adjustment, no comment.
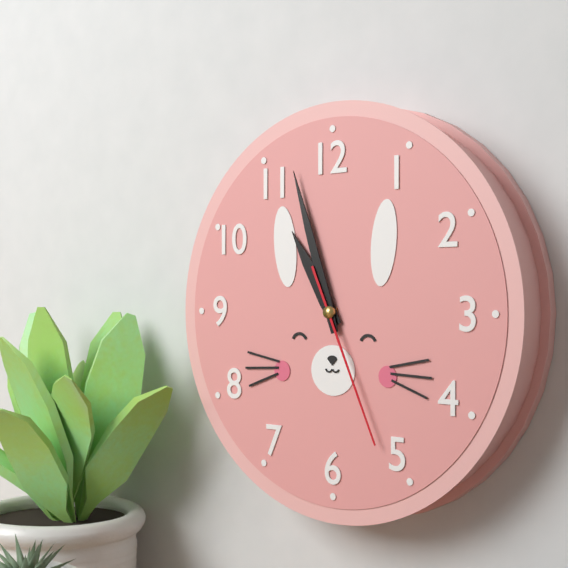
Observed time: 10:57:26
